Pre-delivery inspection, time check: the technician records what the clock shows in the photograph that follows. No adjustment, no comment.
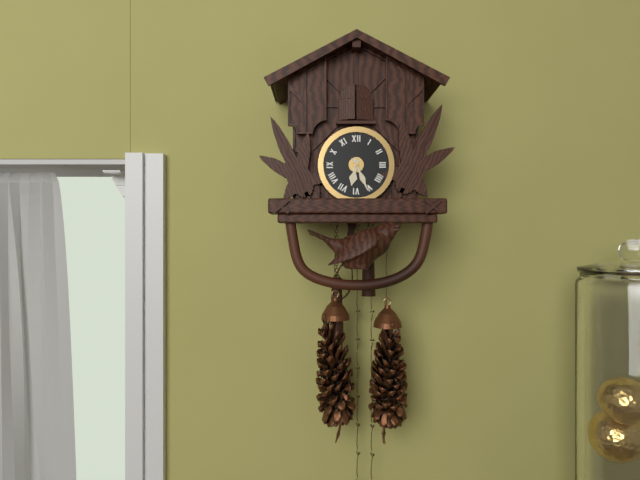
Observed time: 6:26
